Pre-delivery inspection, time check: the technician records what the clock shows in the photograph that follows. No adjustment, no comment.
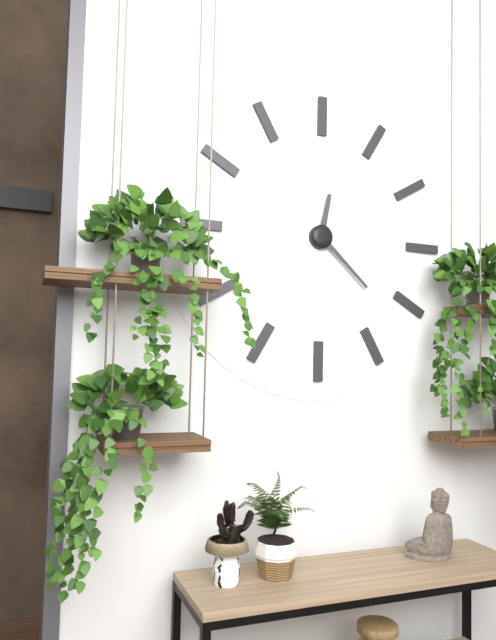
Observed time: 12:22
